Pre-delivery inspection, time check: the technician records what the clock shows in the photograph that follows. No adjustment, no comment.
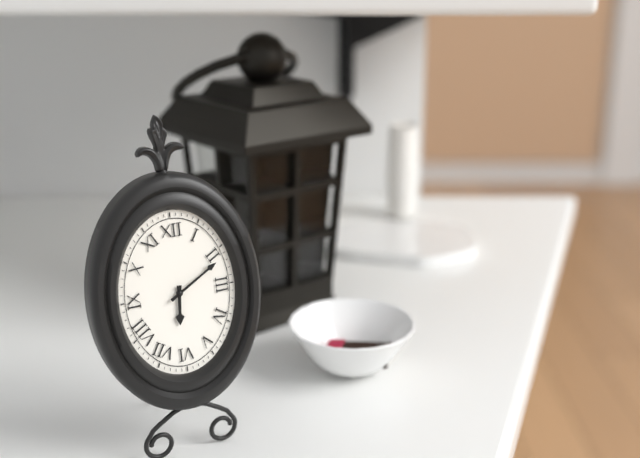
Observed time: 6:10
